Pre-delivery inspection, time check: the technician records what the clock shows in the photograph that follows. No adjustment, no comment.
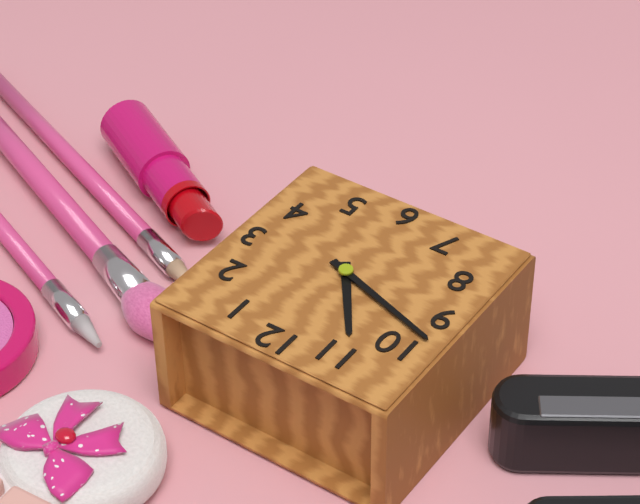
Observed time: 10:48
